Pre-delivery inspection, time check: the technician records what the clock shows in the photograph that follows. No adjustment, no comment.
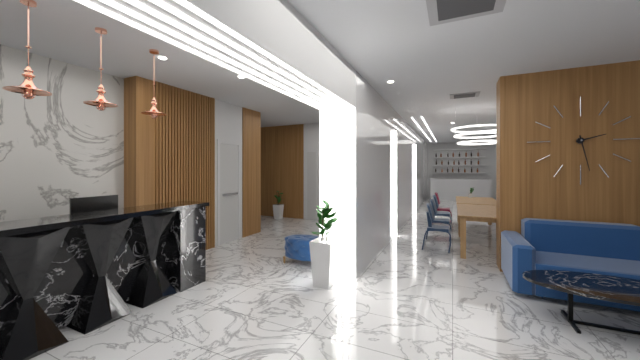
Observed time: 2:28
